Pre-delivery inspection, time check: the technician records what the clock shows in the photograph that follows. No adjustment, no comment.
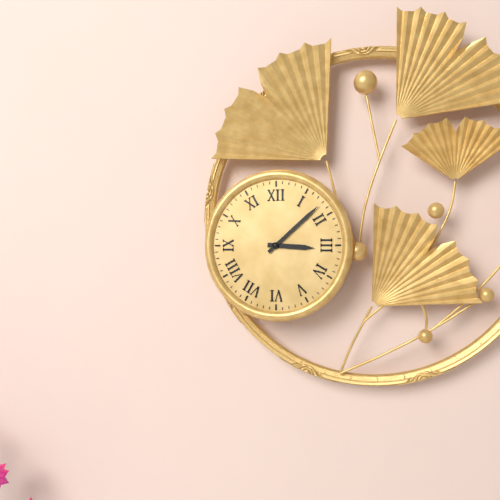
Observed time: 3:08
